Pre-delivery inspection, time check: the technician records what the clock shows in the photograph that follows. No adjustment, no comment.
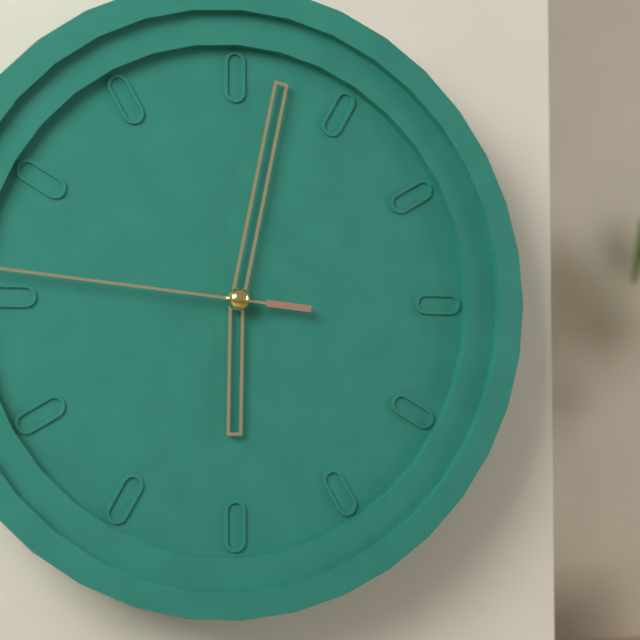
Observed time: 6:02
